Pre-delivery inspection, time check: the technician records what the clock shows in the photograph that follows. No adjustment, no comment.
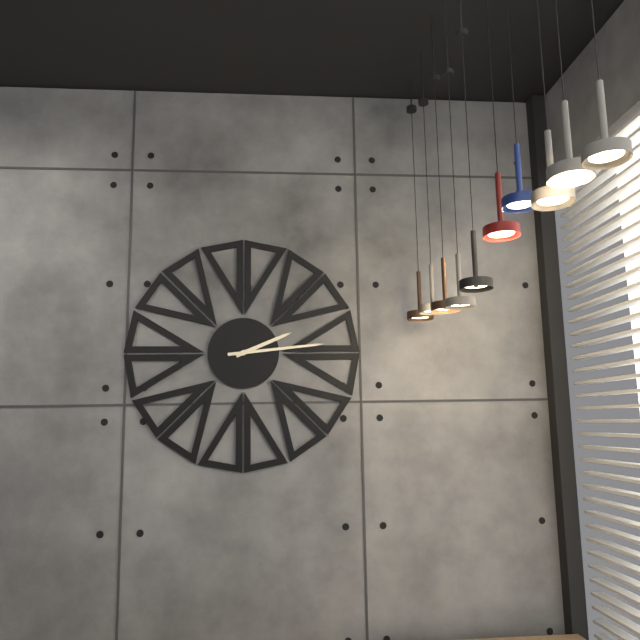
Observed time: 2:14
